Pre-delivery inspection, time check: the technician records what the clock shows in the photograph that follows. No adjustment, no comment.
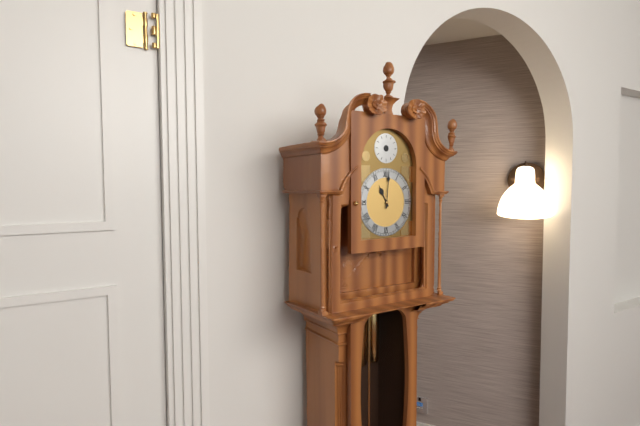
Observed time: 11:01
